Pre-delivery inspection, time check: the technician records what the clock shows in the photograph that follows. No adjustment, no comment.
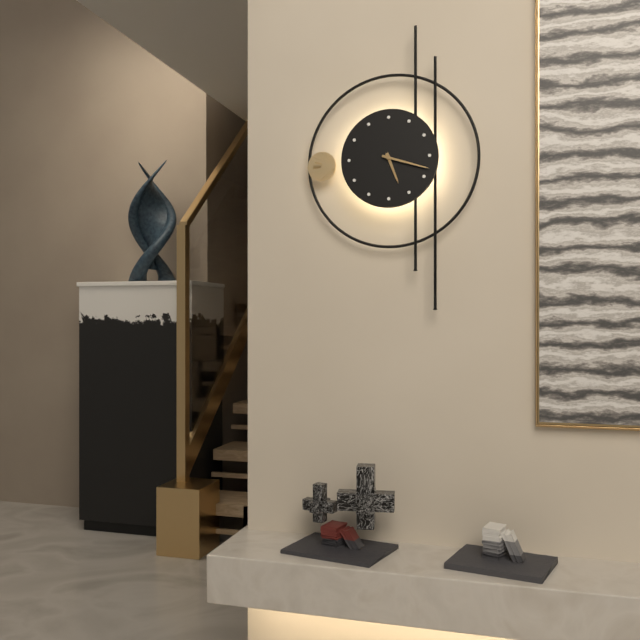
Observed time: 5:18
